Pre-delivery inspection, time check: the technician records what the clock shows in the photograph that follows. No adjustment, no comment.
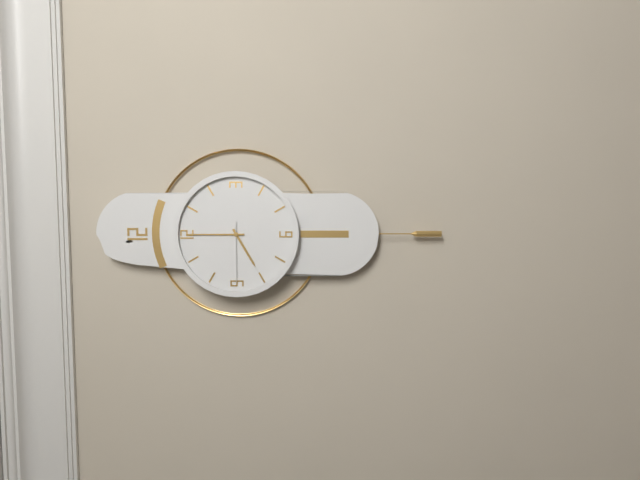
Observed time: 8:00:45
